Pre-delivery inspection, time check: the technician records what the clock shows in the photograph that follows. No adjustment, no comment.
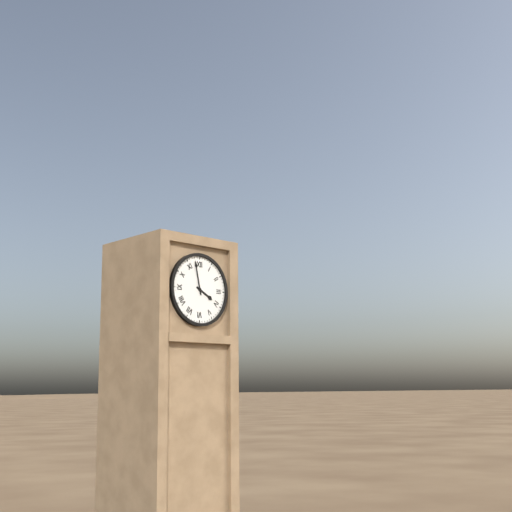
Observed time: 3:58
